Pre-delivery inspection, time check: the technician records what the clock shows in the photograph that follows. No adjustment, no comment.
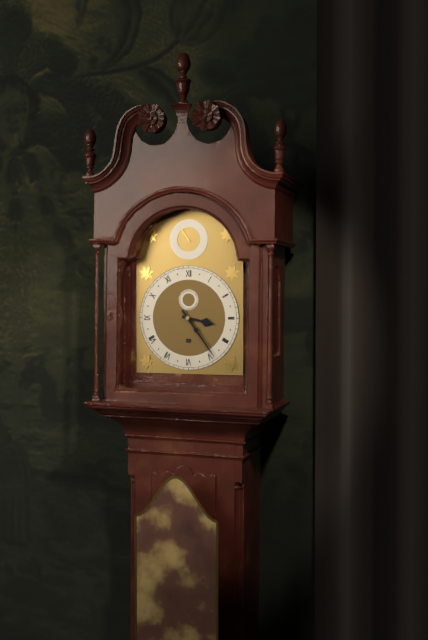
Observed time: 3:24
